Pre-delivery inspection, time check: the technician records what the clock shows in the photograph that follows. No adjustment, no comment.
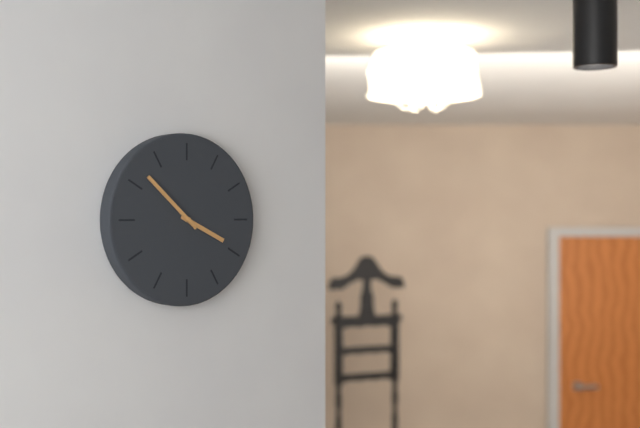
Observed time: 3:52
